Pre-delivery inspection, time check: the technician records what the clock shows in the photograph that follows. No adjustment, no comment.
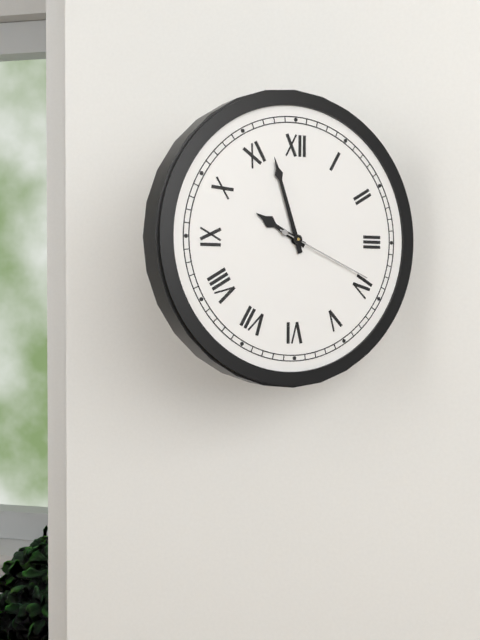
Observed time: 9:57:19
